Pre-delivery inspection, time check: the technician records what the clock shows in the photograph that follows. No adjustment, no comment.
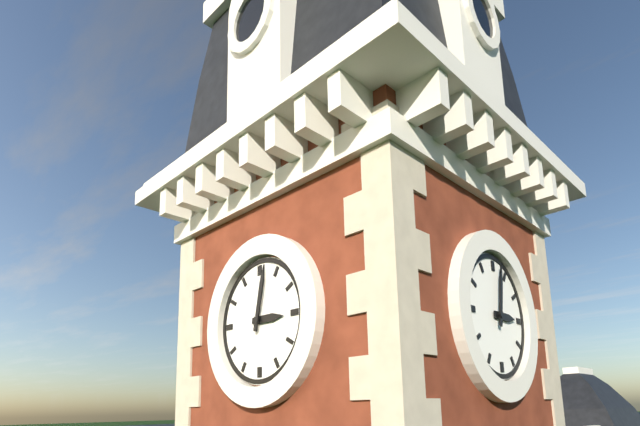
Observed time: 3:02
